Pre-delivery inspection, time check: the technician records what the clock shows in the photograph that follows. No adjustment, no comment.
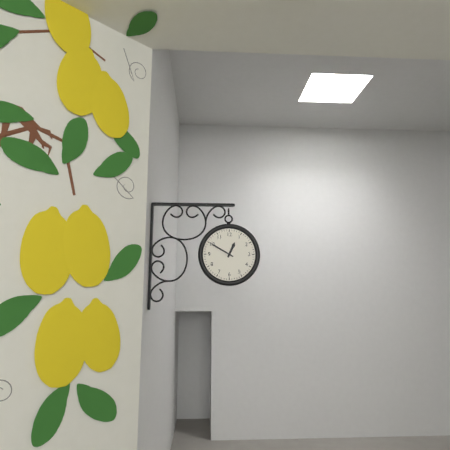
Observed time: 12:50
